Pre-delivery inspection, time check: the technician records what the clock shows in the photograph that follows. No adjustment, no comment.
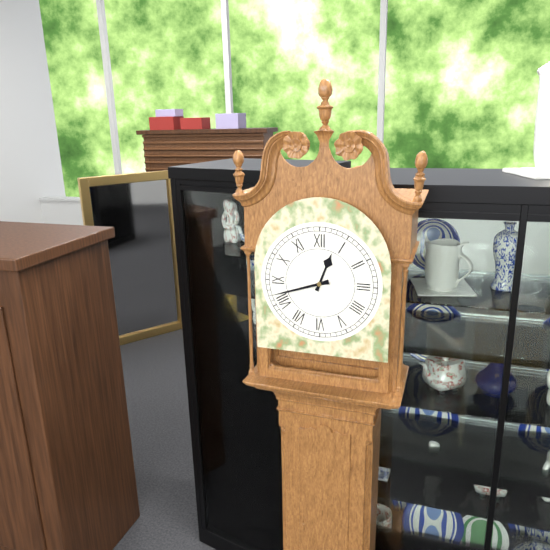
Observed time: 12:42
